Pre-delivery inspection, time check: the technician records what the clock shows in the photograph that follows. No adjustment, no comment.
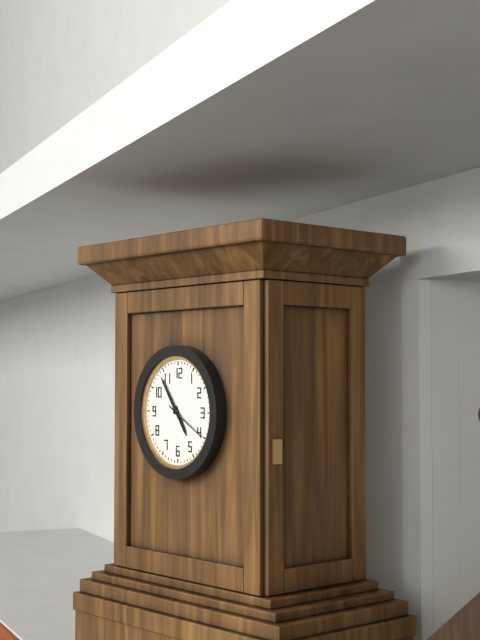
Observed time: 4:54:20
